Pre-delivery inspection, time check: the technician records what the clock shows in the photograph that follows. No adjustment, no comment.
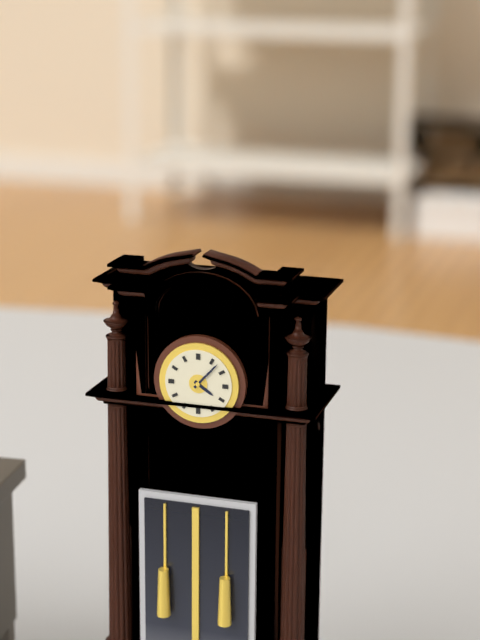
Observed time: 4:07
